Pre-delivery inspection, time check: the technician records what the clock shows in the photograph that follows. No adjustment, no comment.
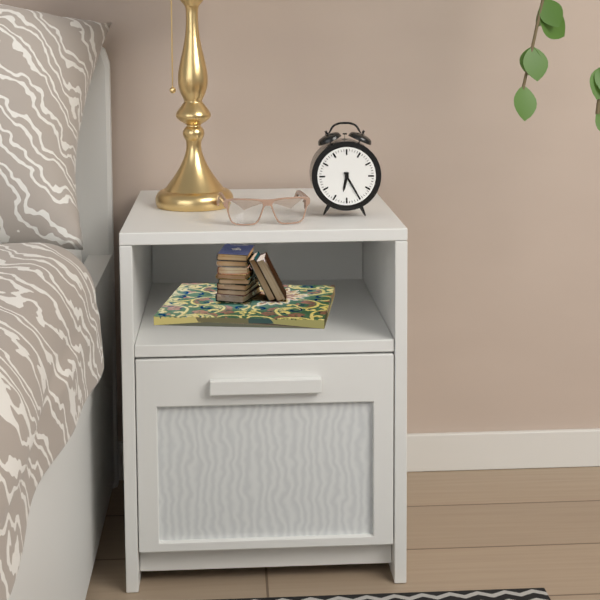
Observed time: 6:25
